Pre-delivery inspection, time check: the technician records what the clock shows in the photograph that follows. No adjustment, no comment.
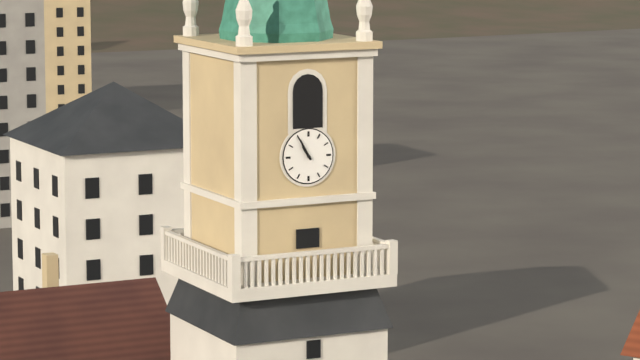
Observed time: 10:55
